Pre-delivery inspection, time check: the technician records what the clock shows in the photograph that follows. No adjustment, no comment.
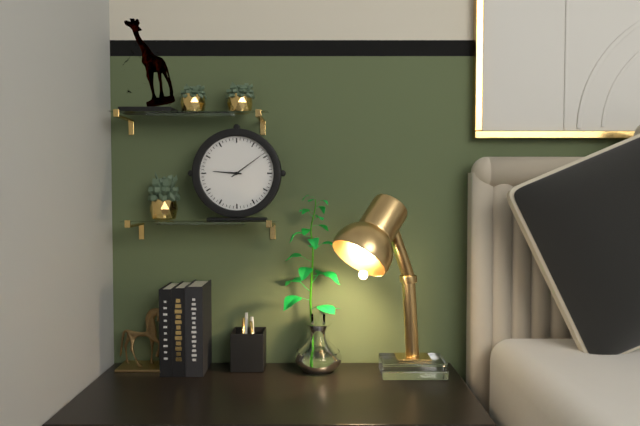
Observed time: 9:09
